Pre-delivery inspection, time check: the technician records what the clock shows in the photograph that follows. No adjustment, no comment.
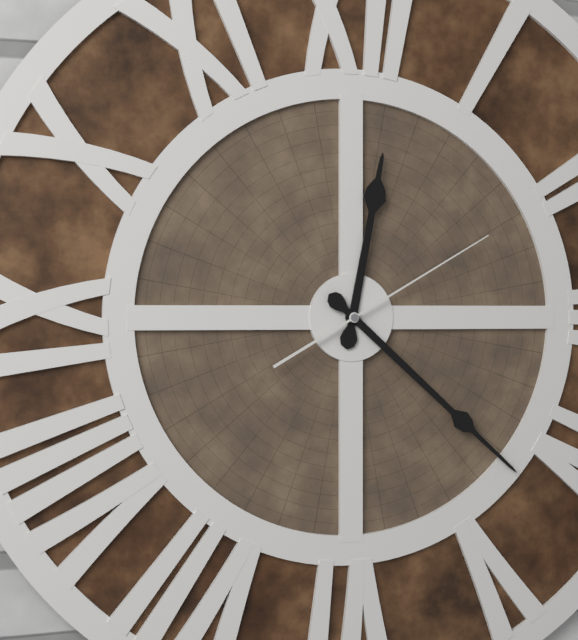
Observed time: 12:22:10
